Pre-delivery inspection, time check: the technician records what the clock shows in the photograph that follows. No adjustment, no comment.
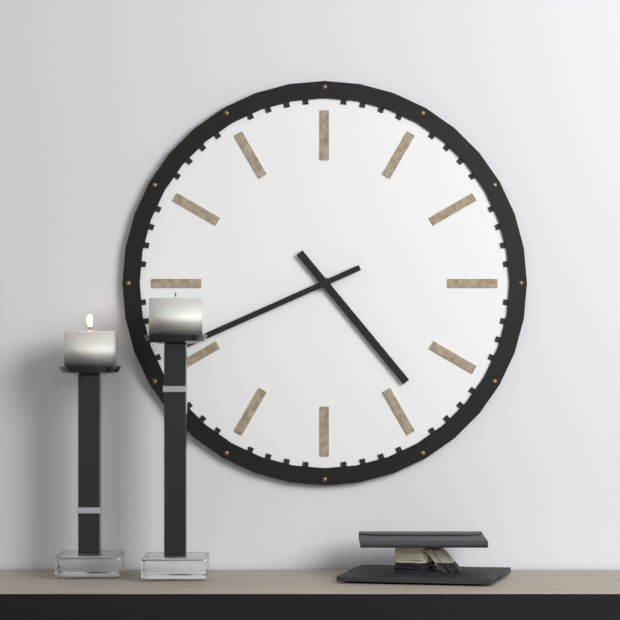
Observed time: 4:41
